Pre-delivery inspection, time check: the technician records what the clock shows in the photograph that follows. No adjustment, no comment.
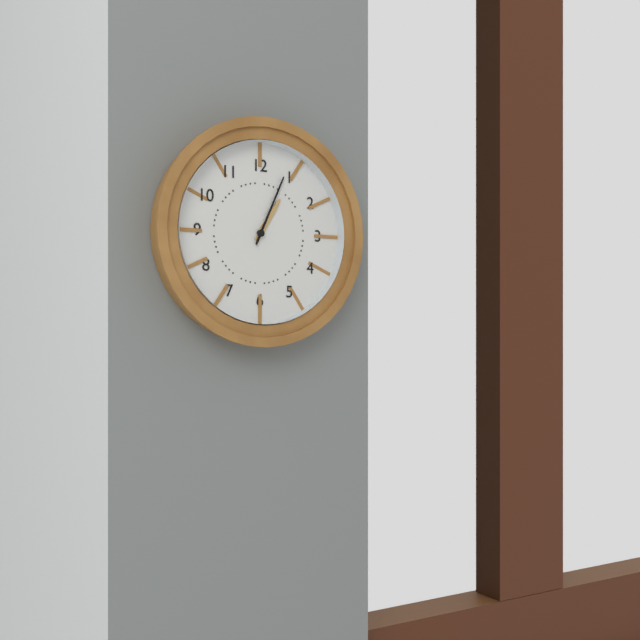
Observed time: 1:04
